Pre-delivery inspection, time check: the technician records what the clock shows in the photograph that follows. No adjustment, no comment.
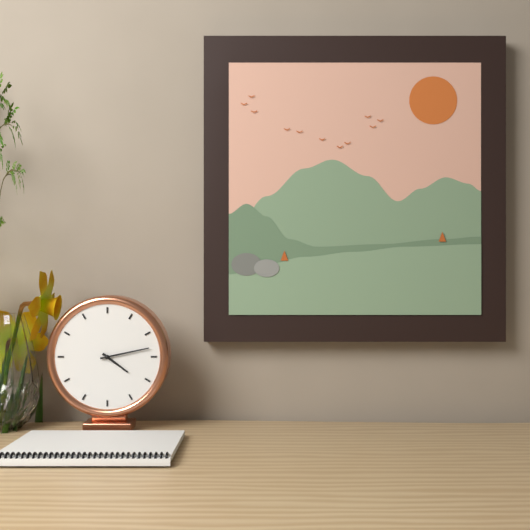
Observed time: 4:13
